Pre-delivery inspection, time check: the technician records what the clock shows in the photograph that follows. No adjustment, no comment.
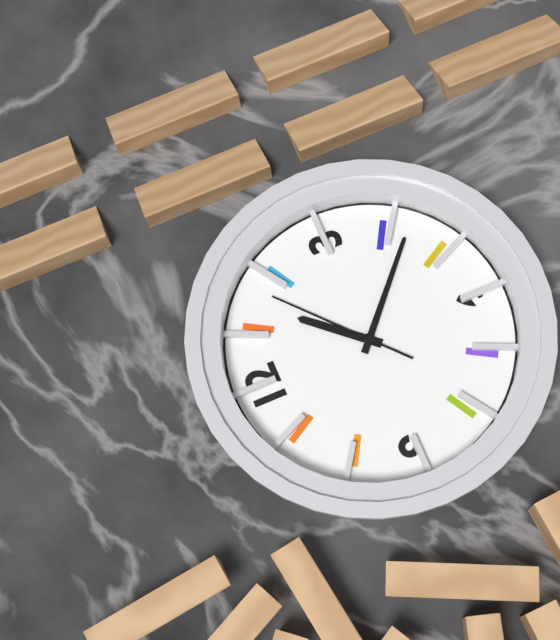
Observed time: 1:22:08
